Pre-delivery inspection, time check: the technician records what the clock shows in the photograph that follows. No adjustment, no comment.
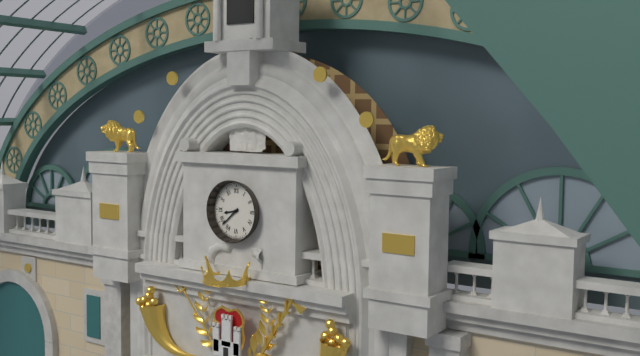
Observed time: 8:38
